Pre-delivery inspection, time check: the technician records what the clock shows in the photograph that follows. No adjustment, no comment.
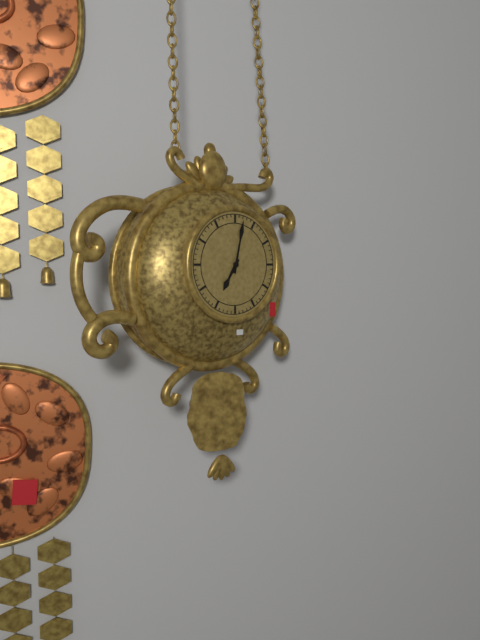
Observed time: 7:02
